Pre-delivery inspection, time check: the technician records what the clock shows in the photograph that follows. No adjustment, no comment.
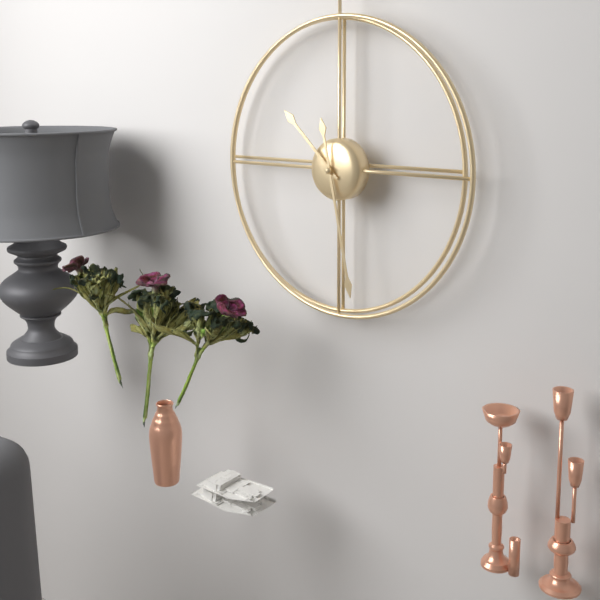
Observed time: 10:28
